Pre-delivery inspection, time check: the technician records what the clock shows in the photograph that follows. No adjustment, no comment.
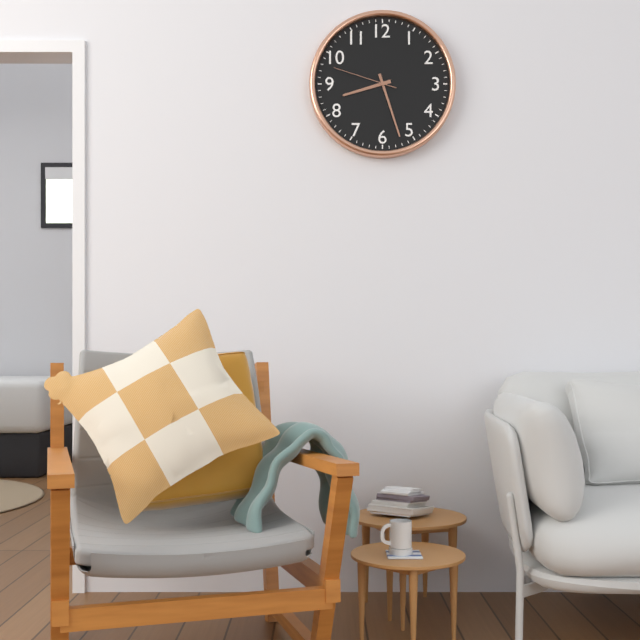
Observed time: 8:27:48
